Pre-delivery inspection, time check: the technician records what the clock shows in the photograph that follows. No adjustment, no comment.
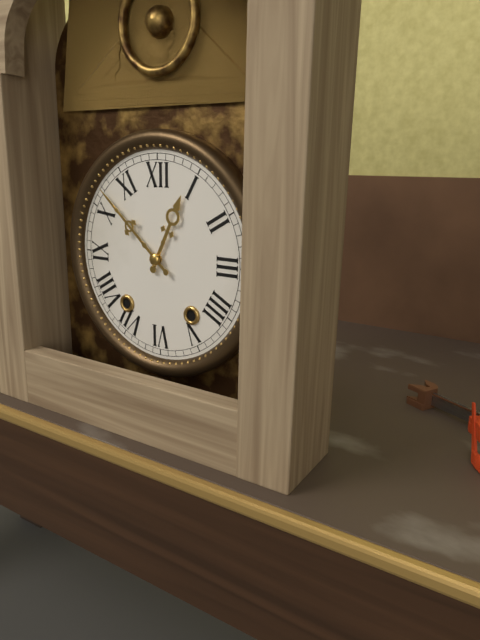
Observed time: 12:52
